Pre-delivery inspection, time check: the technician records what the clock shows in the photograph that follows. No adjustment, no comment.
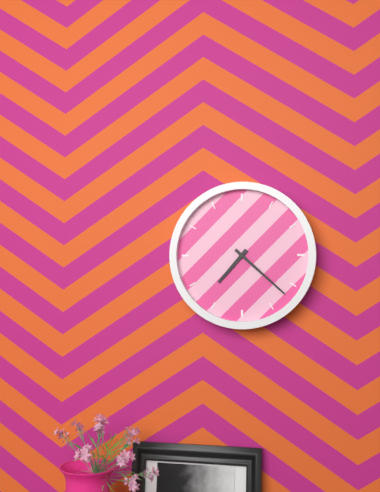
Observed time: 7:22
